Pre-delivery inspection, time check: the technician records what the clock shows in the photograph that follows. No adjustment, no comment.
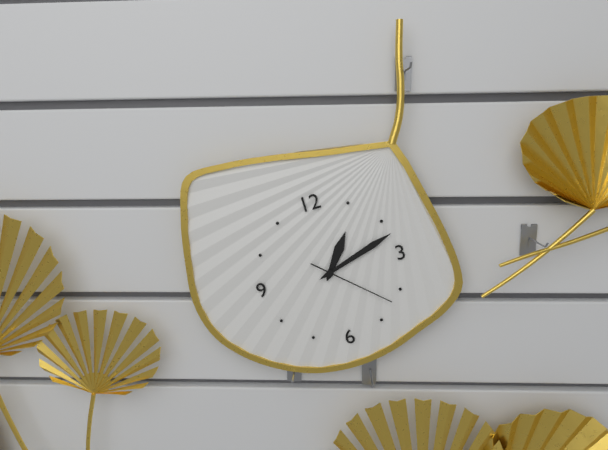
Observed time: 1:12:22
